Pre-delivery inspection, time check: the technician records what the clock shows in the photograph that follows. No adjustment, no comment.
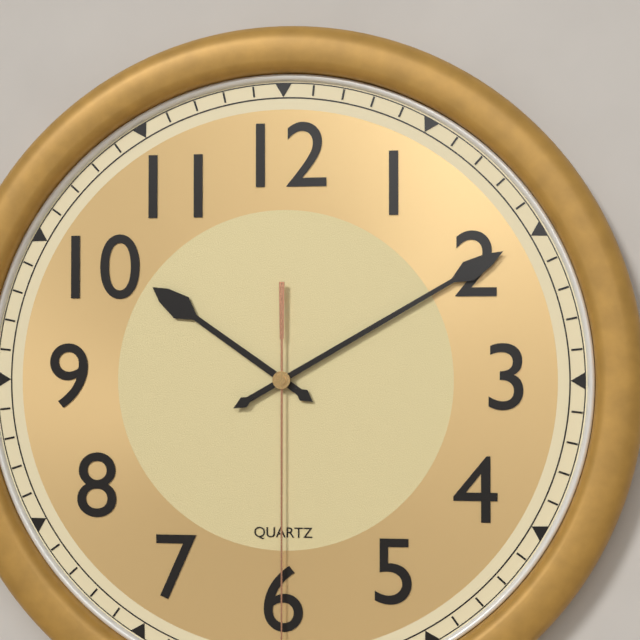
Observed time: 10:10
